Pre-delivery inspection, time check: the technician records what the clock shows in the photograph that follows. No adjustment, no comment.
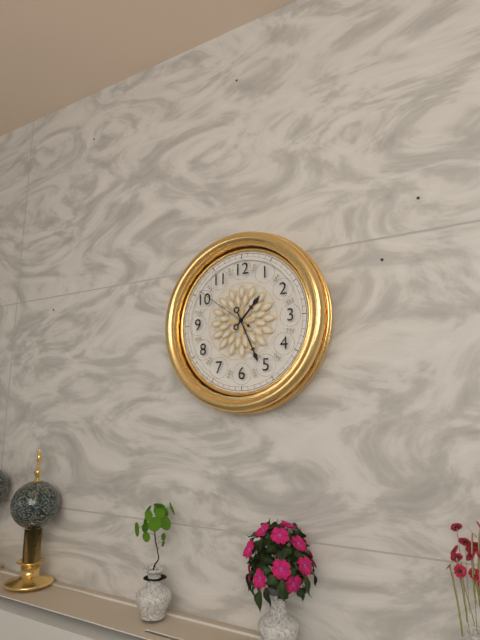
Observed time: 1:26:51
